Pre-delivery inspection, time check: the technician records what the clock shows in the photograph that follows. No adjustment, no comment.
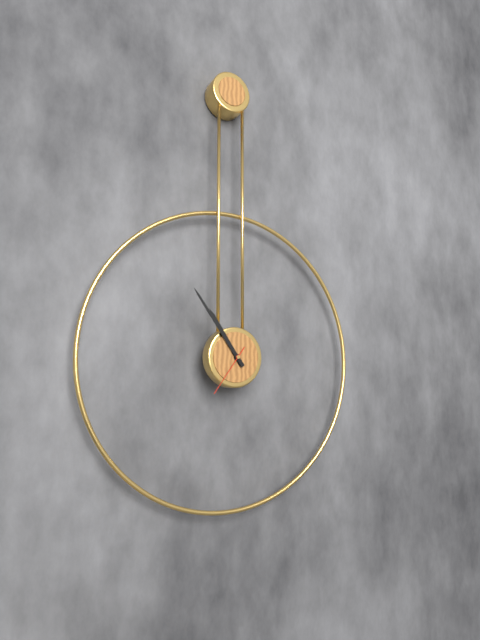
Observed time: 10:54:36
